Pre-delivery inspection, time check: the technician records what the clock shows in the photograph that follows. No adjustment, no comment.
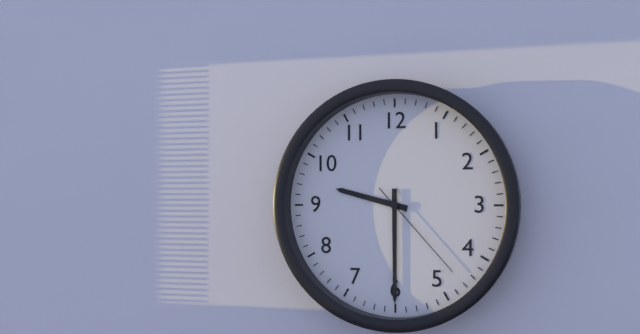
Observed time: 9:30:23
